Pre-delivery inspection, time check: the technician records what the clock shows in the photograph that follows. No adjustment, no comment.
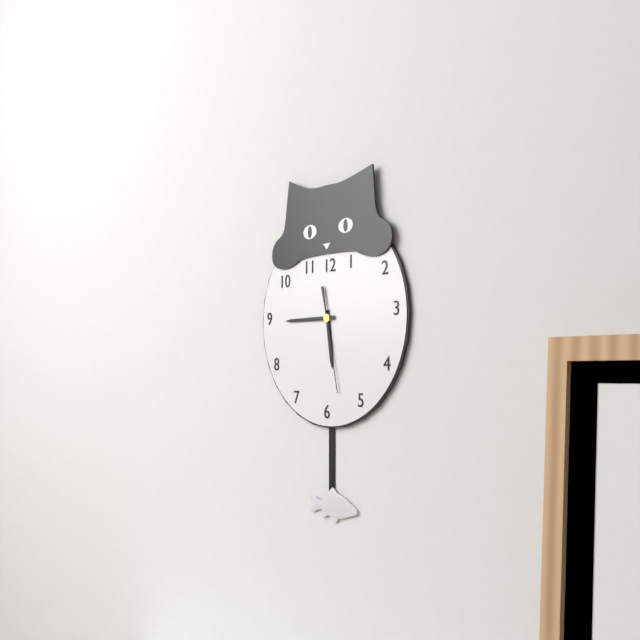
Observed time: 5:45:28
